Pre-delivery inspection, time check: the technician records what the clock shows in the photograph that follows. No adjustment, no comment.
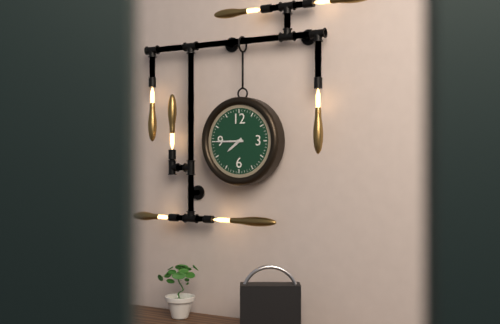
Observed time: 7:45
